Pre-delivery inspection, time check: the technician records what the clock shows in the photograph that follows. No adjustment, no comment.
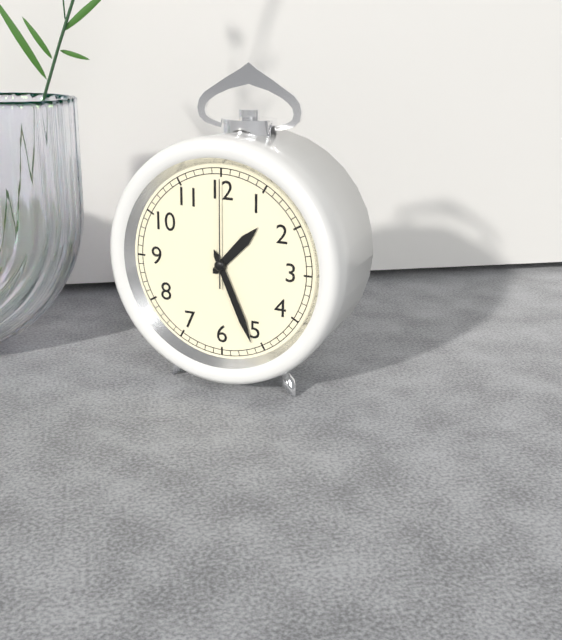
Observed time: 1:26:00
